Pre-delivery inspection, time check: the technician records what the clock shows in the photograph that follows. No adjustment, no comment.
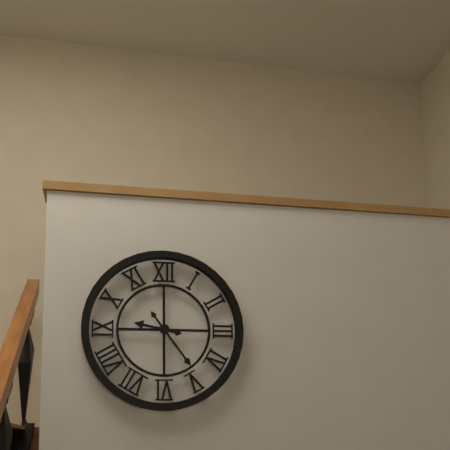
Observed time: 9:24
